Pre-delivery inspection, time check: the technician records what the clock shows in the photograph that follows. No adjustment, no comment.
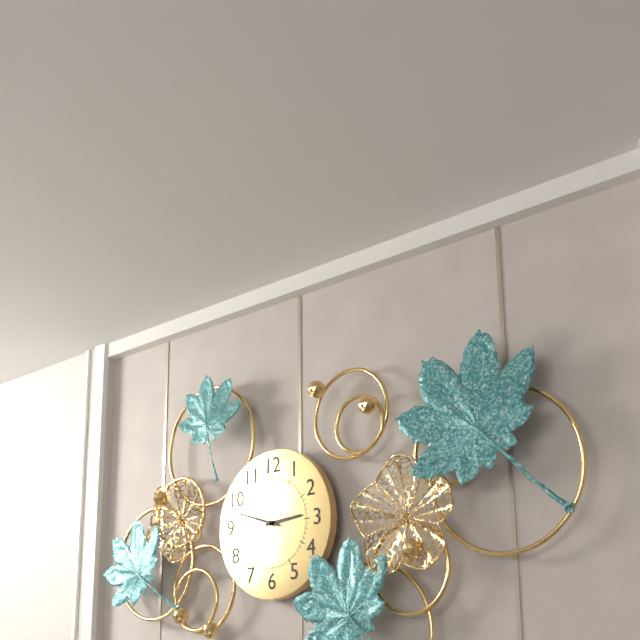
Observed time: 2:48:37
